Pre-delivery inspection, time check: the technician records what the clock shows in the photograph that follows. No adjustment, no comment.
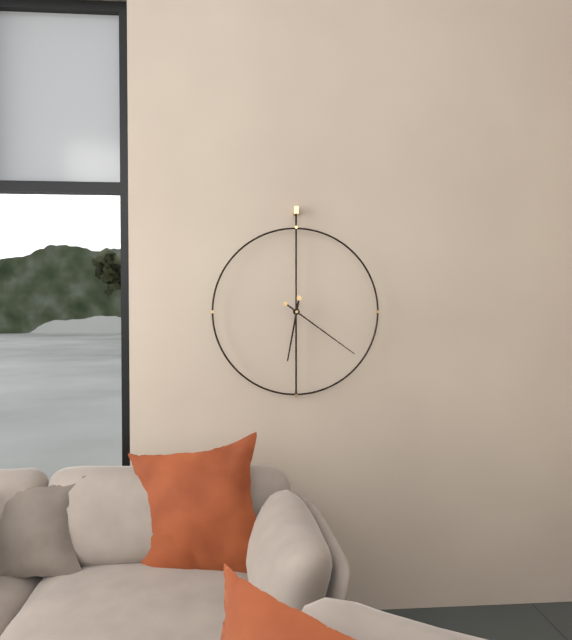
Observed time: 6:21
